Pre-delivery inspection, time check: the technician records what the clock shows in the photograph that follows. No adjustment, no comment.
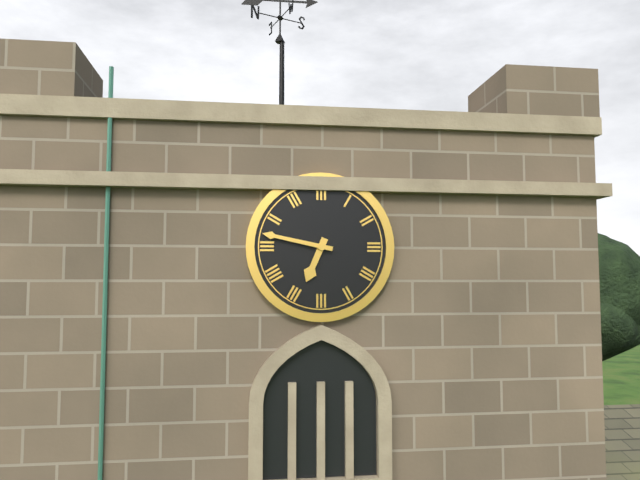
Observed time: 6:47
